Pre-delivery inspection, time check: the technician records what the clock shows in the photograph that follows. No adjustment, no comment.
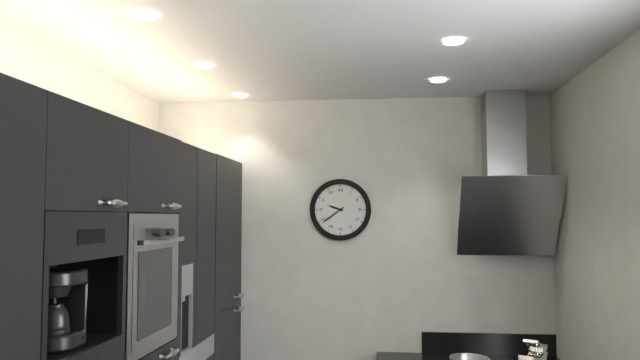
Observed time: 9:39
